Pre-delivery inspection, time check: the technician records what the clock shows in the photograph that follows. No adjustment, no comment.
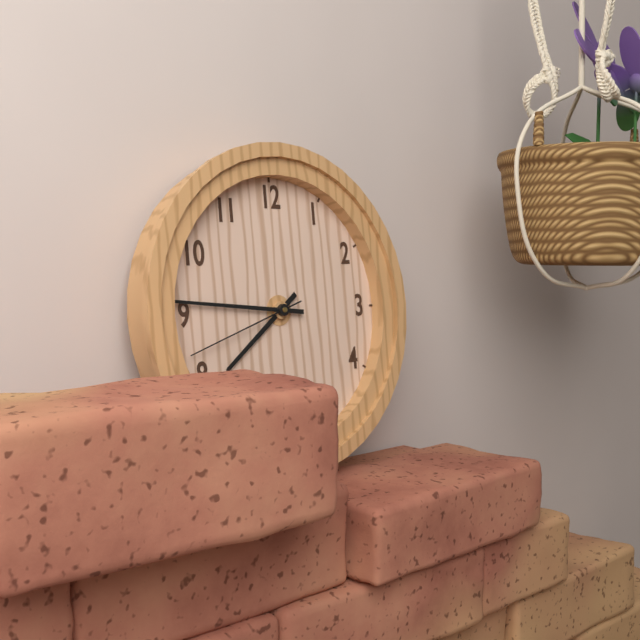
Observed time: 7:46:42
